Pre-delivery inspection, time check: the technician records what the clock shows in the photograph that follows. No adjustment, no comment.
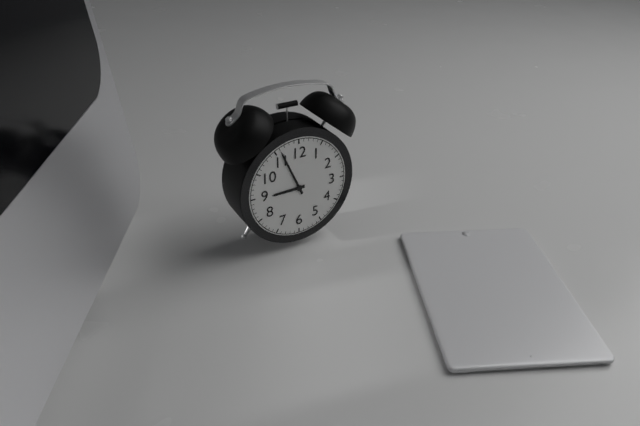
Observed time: 8:56
